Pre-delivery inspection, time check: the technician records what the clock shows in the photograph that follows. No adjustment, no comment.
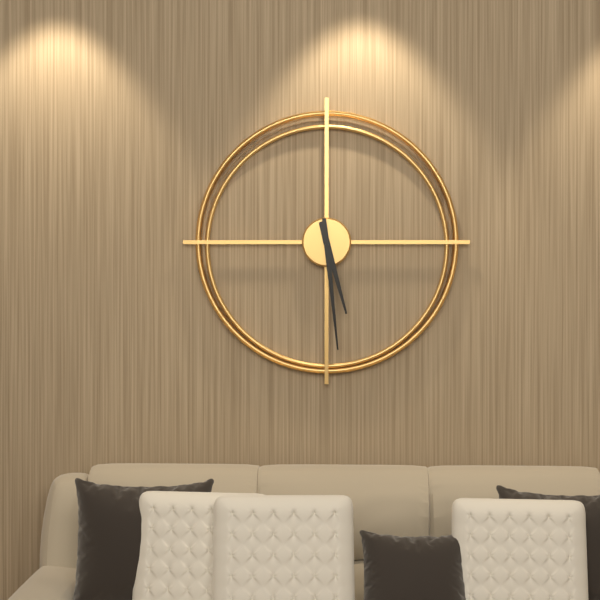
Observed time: 5:29
